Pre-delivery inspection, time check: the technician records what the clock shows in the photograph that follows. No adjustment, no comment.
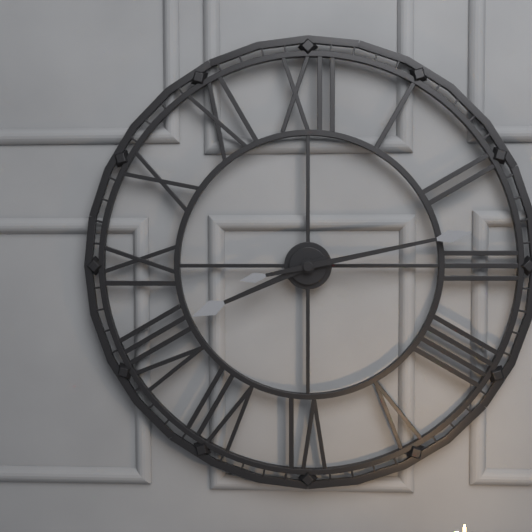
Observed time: 8:13
